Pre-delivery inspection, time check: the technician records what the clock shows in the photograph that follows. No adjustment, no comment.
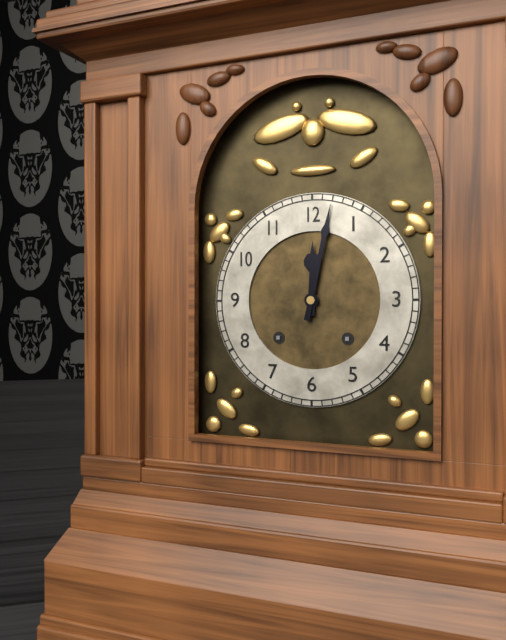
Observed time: 12:02
